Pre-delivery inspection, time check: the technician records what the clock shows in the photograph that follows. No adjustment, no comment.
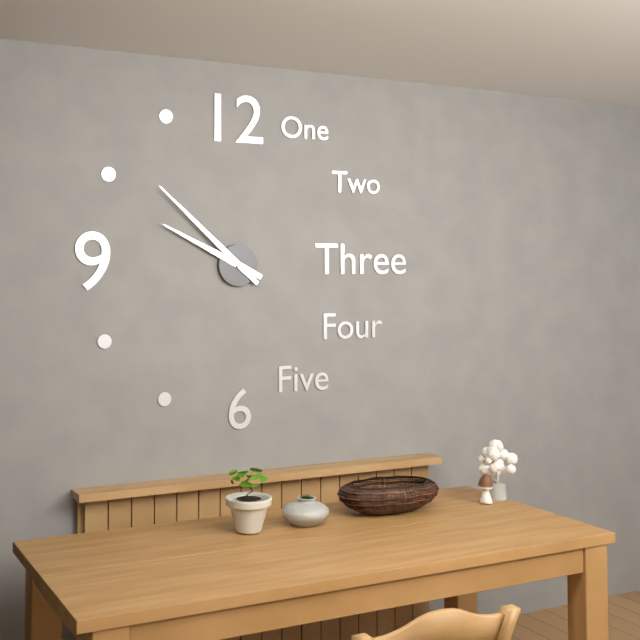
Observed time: 9:52
